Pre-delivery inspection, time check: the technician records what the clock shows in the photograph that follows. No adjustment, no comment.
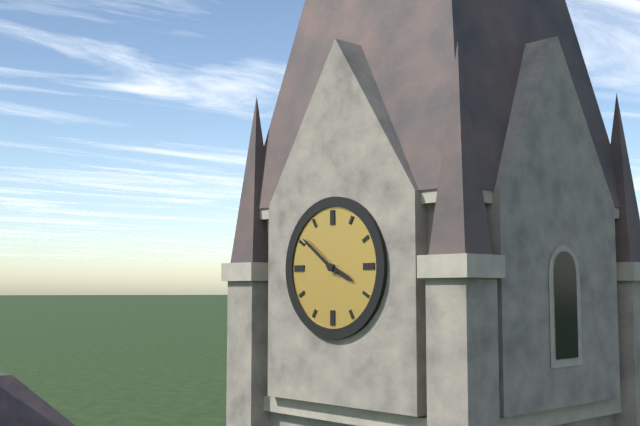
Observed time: 3:51
